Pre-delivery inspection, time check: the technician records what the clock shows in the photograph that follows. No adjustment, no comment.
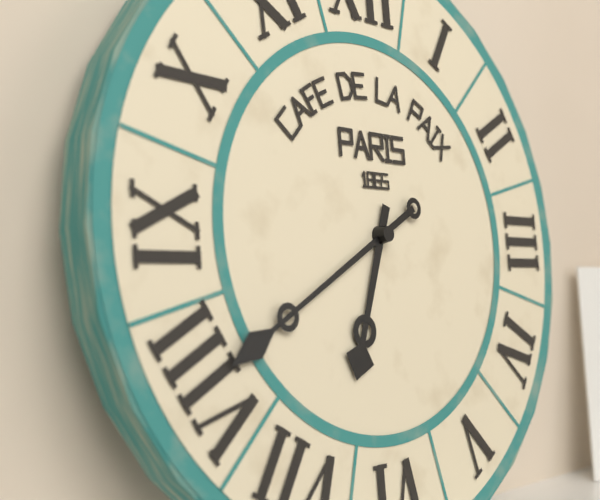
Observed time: 6:40
